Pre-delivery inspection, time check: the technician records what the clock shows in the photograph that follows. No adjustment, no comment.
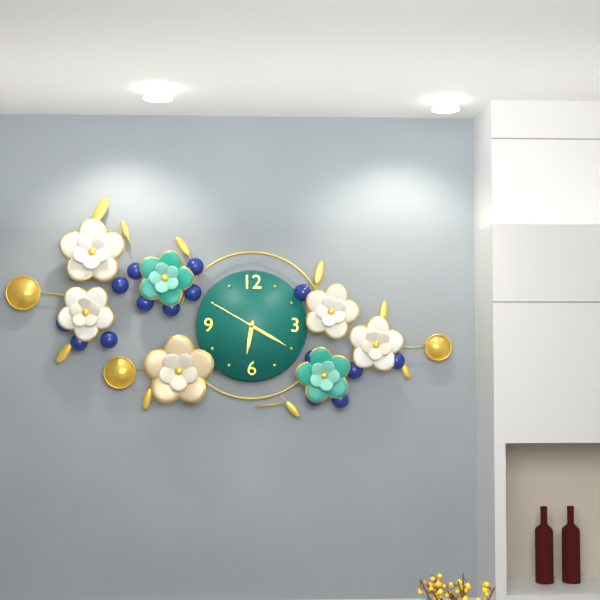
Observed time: 6:20:50
